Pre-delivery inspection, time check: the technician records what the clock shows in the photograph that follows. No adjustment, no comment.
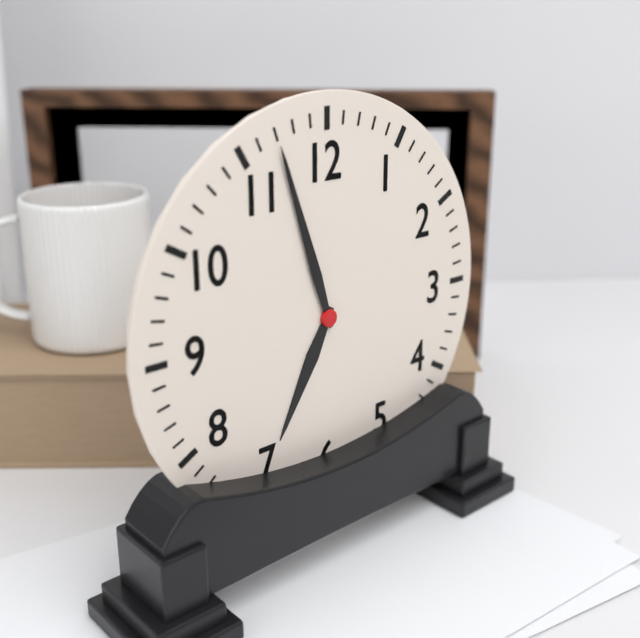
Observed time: 6:57
